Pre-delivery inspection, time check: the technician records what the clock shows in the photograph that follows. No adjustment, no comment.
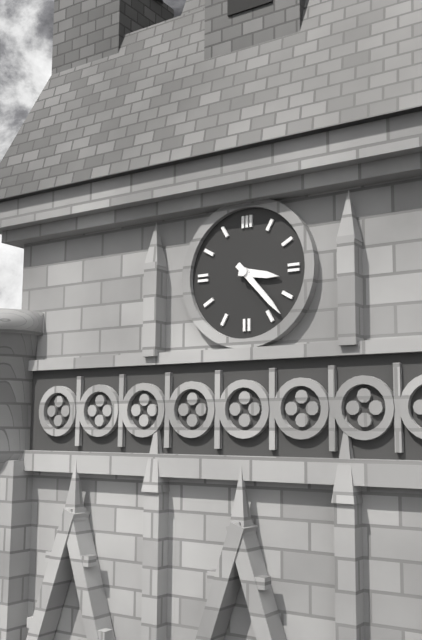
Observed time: 3:23
